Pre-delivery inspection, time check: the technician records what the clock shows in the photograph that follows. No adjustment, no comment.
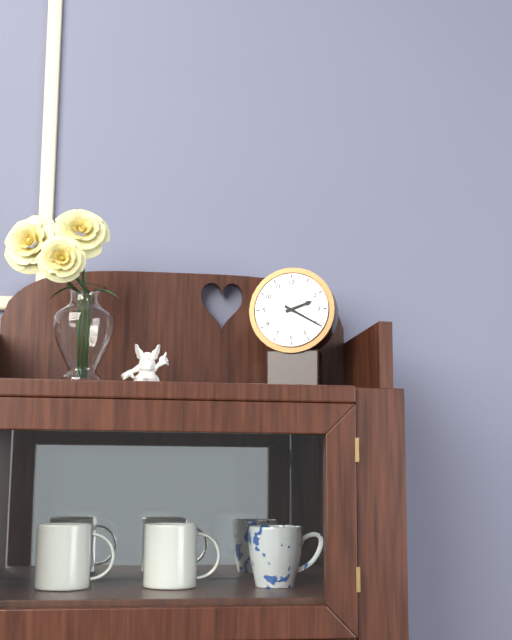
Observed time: 2:20
